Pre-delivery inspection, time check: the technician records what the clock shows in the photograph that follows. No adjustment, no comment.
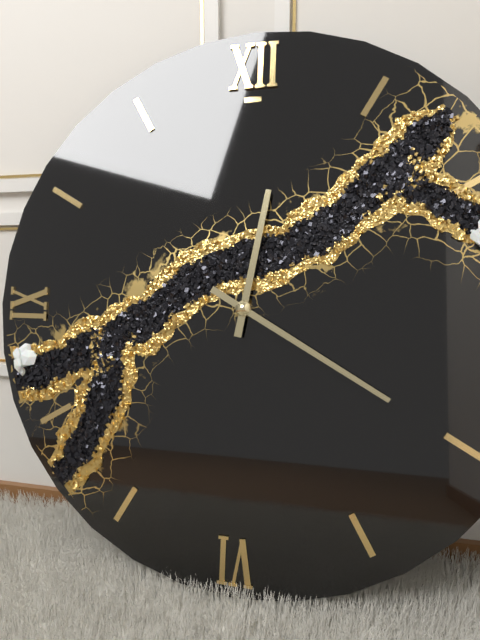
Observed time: 12:20
